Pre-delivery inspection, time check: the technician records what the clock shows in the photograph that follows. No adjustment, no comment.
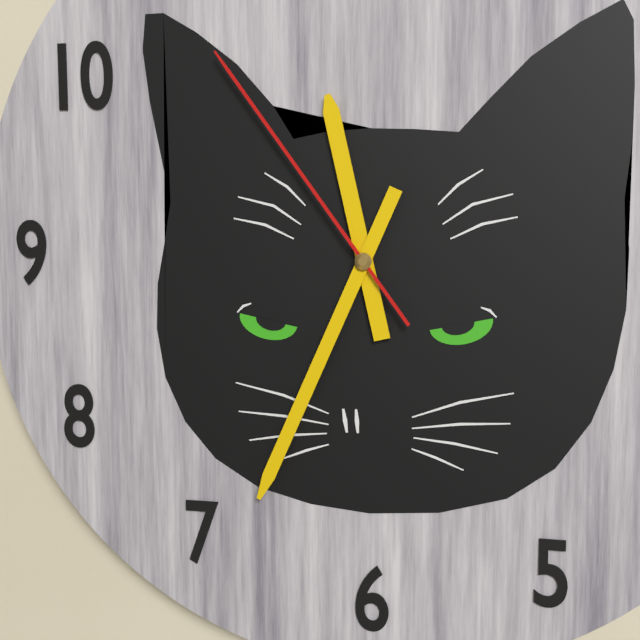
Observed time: 11:34:54
